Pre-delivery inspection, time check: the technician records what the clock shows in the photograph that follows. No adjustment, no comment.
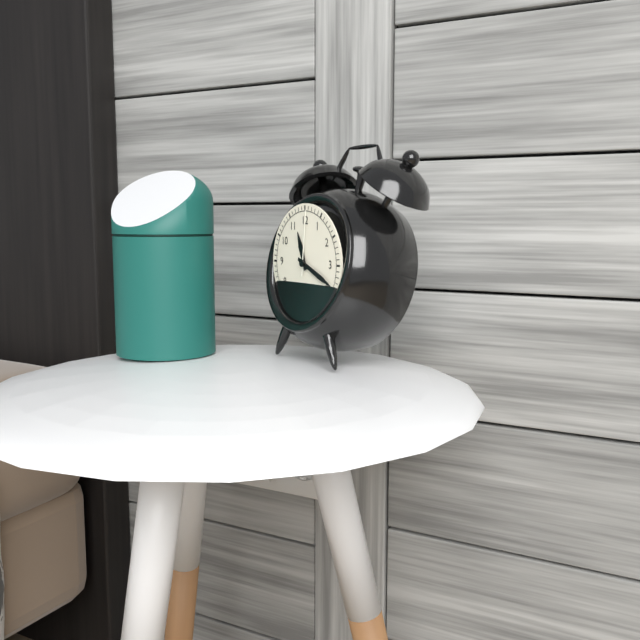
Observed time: 11:19:01
